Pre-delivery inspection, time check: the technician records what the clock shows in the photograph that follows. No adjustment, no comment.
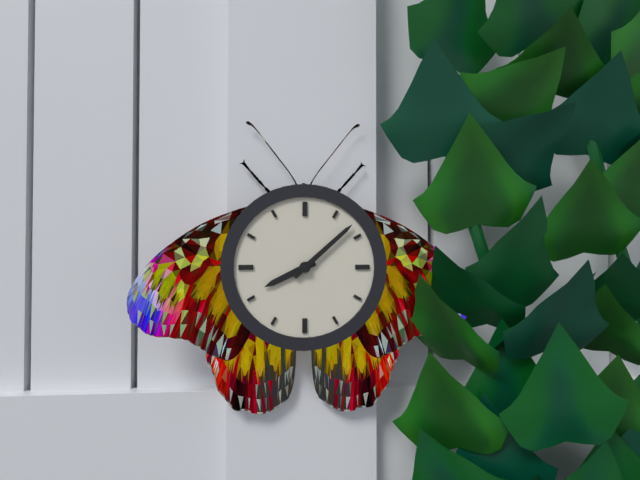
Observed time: 8:08
